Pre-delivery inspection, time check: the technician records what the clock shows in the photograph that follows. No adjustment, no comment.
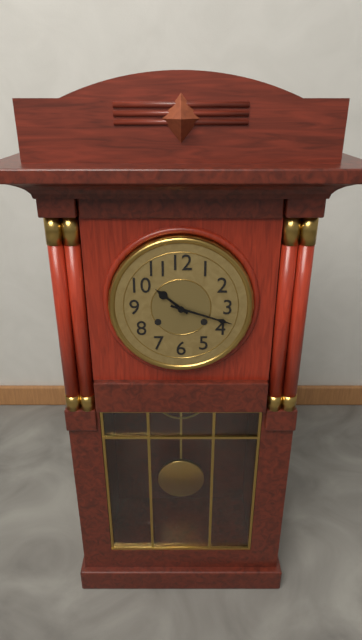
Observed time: 10:18
